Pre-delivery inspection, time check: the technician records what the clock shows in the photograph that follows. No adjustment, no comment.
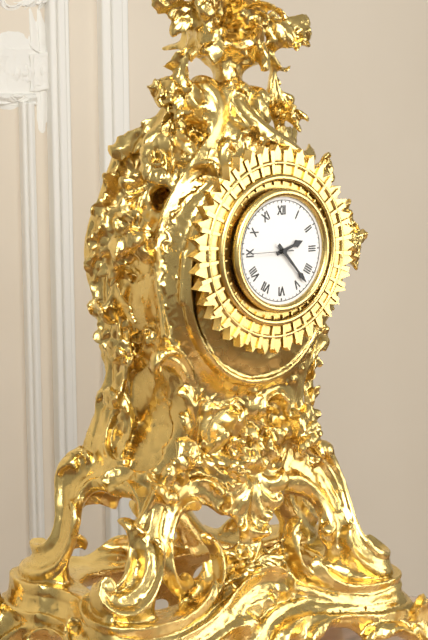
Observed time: 2:23
